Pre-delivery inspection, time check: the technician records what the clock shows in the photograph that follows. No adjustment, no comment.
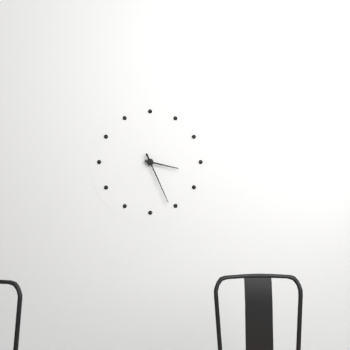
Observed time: 3:26
